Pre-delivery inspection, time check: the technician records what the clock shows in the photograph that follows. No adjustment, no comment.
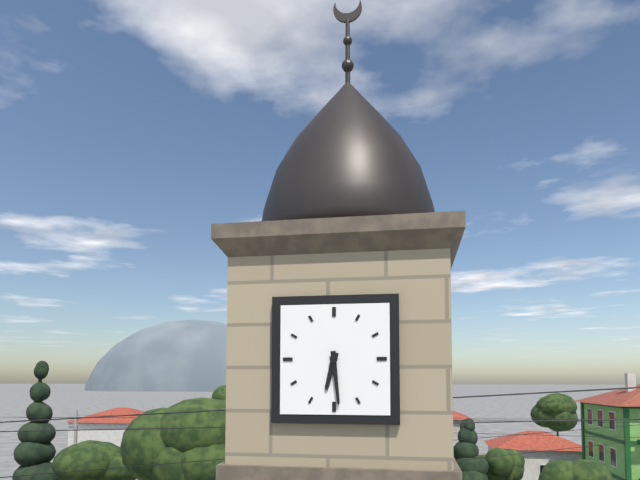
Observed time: 6:29
